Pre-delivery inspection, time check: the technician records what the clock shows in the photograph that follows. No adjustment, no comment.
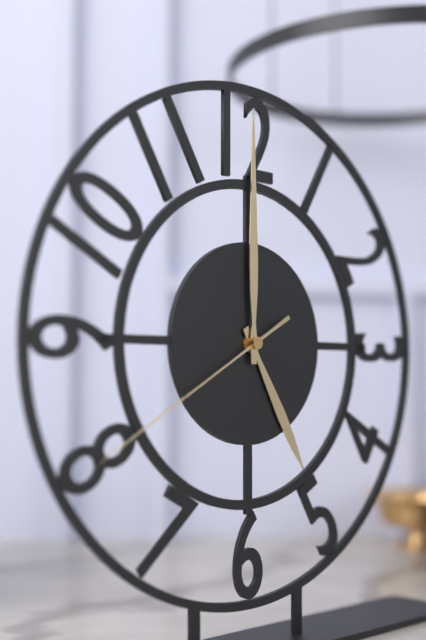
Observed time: 5:00:40
